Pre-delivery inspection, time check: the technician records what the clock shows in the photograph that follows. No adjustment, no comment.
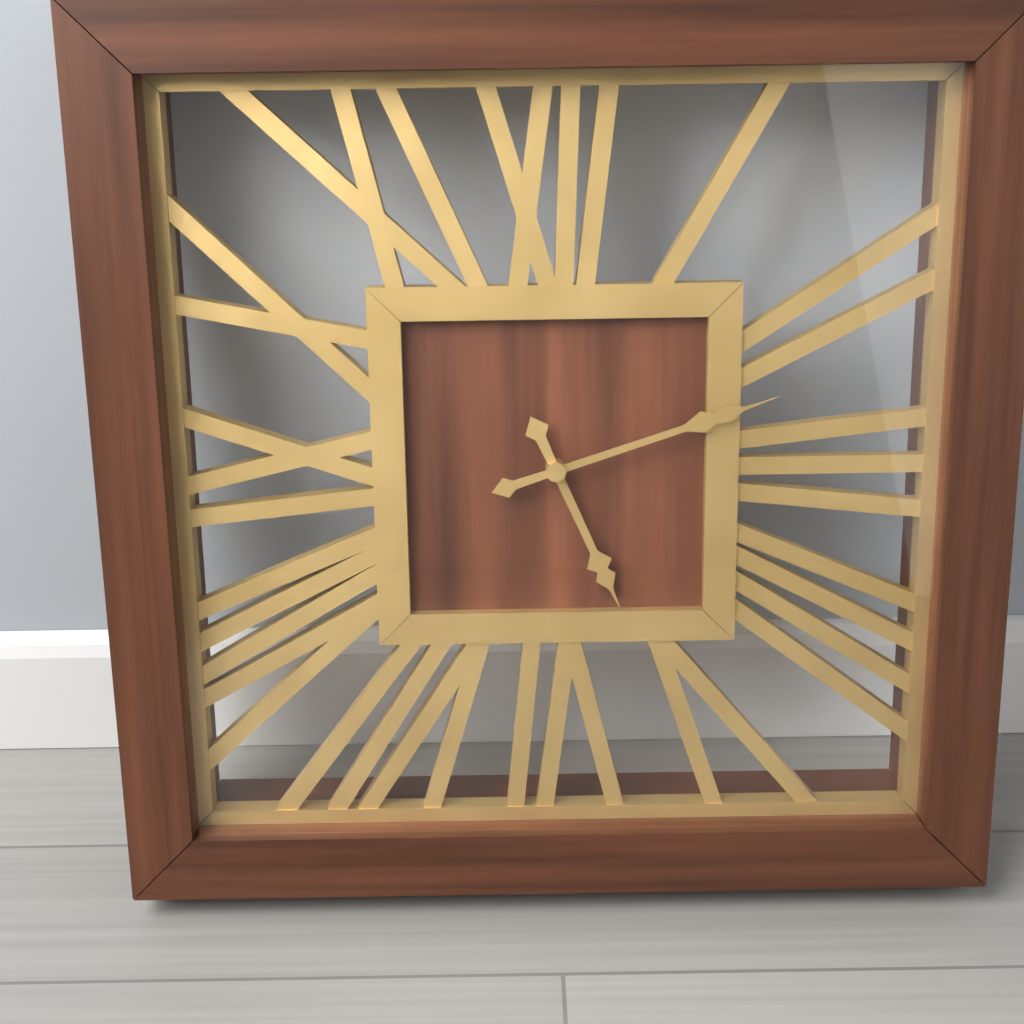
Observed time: 5:12
